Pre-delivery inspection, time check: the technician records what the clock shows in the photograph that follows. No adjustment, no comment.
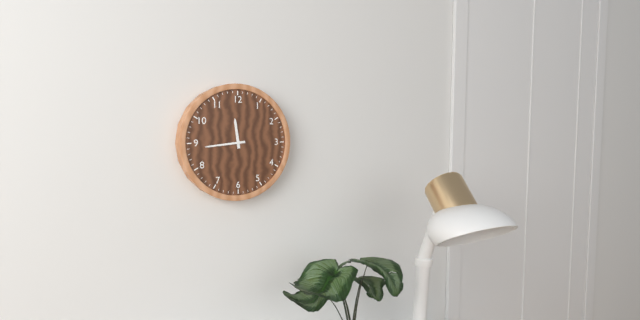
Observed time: 11:44
